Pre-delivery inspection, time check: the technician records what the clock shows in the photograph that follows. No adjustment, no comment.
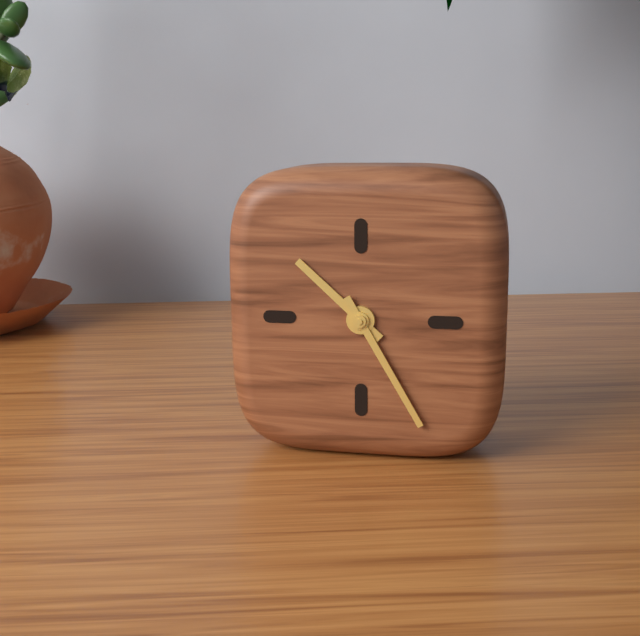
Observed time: 10:25
